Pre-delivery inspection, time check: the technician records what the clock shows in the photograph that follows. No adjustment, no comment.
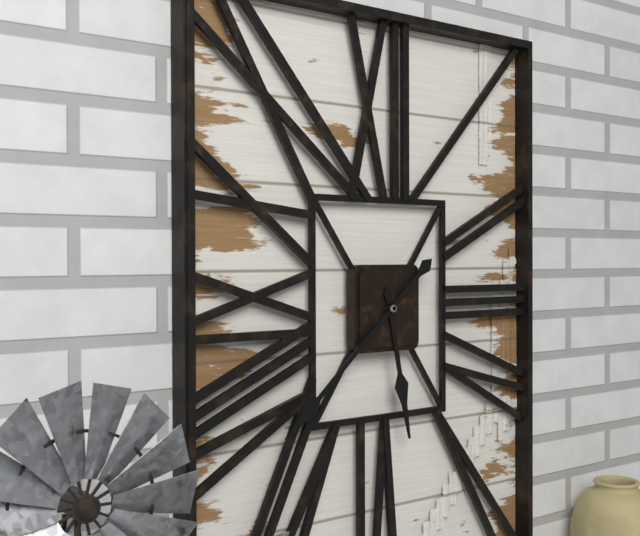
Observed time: 5:38
